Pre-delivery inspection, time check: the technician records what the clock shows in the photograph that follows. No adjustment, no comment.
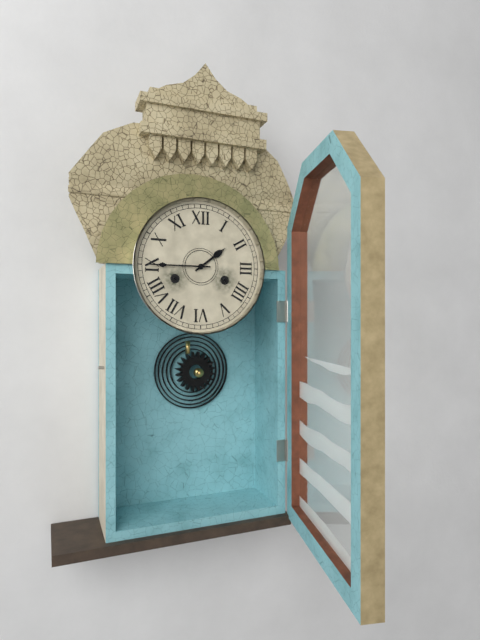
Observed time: 1:45
